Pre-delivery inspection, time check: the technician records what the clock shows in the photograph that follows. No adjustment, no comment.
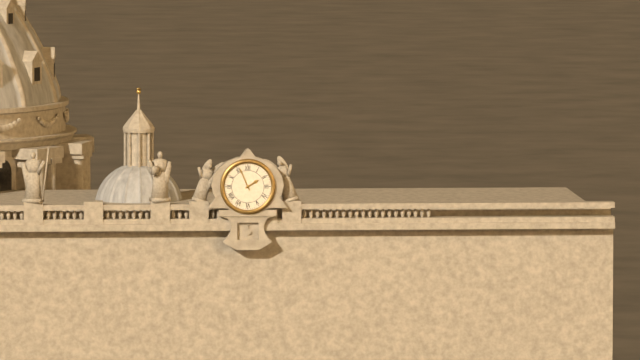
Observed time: 1:56
